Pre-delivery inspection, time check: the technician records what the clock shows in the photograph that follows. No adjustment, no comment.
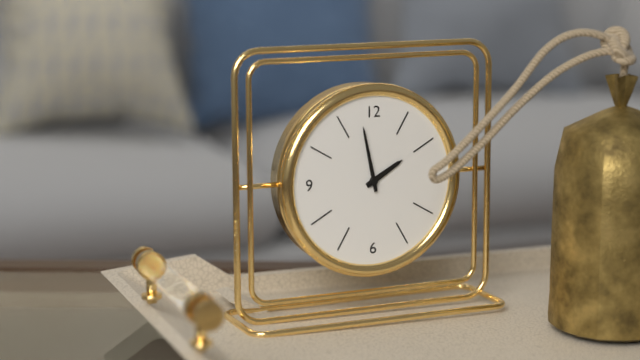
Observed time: 1:58
